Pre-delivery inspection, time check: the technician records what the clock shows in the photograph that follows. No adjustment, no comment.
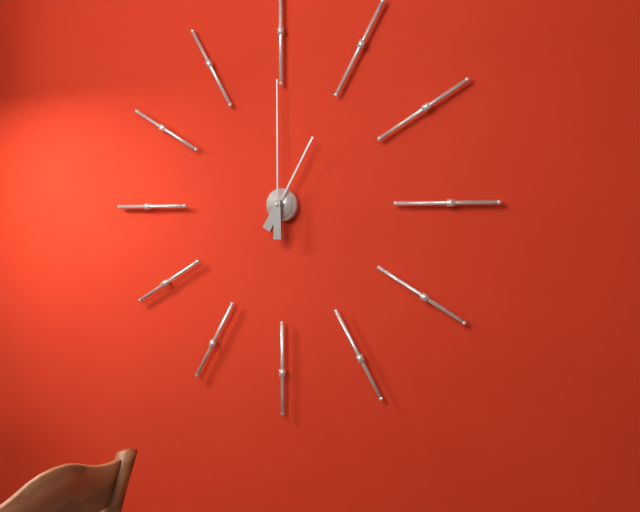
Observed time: 1:00
